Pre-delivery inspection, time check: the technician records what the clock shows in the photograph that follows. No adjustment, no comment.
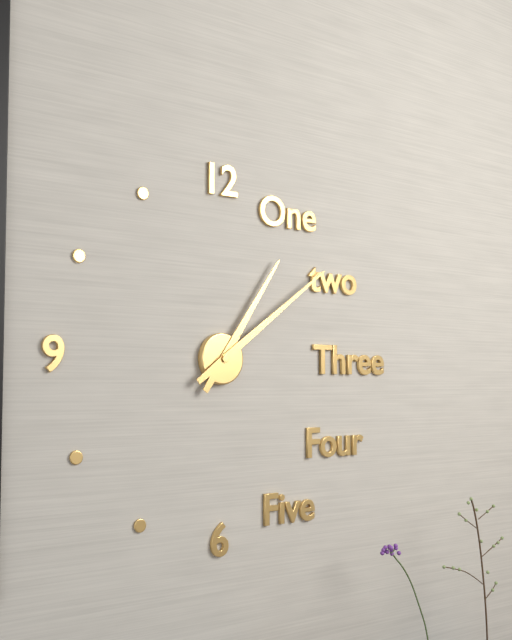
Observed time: 1:09
